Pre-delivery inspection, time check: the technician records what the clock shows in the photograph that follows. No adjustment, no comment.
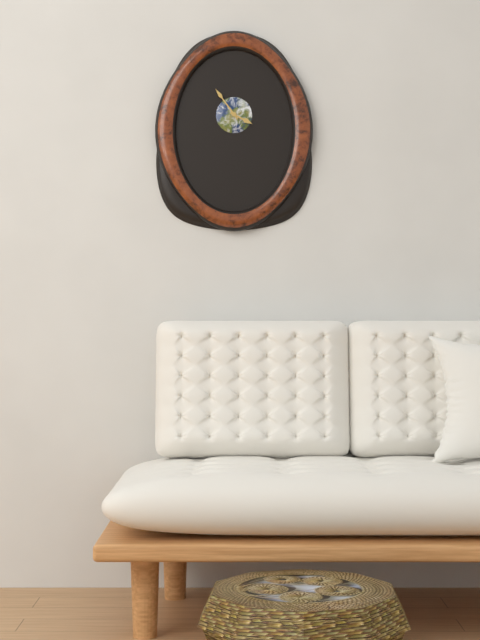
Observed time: 3:54
